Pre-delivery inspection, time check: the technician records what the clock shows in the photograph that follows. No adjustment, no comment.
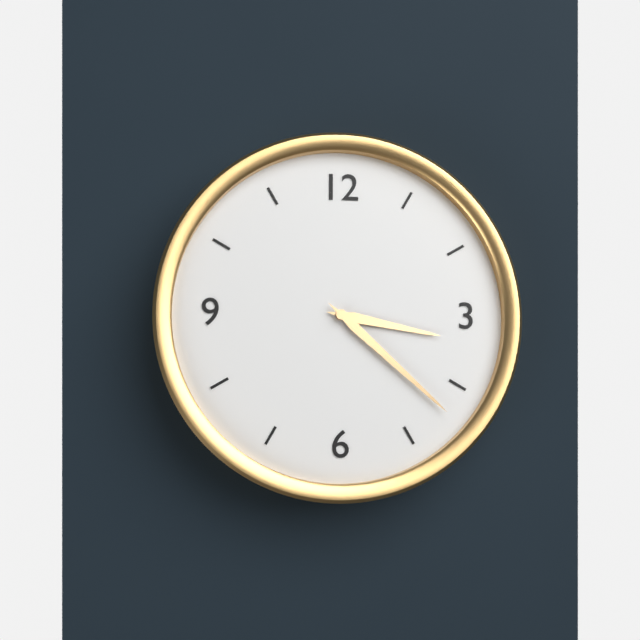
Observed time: 3:22
